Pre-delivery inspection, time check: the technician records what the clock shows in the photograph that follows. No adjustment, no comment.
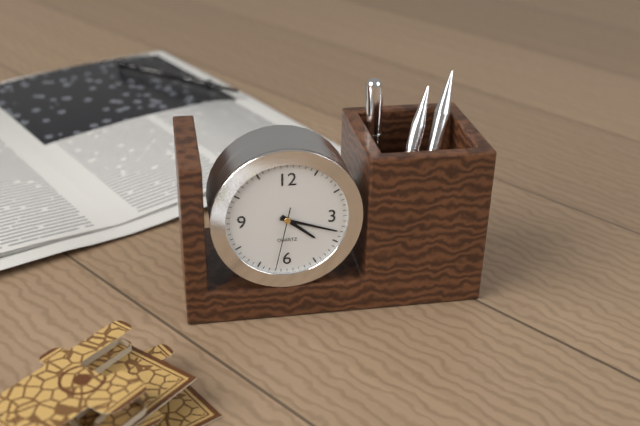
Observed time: 4:18:32
